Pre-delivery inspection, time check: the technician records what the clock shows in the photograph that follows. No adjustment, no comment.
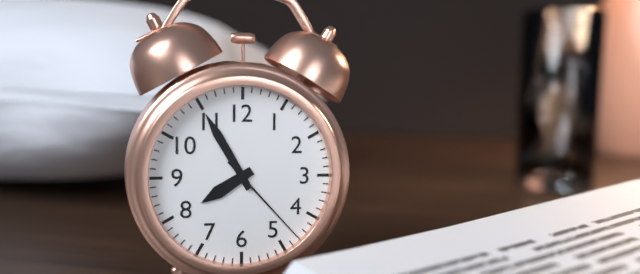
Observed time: 7:55:23
